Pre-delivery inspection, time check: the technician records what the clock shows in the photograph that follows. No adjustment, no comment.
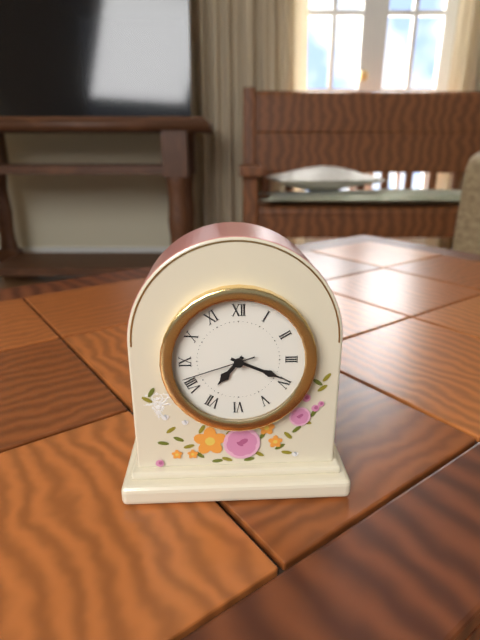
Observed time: 7:19:42
